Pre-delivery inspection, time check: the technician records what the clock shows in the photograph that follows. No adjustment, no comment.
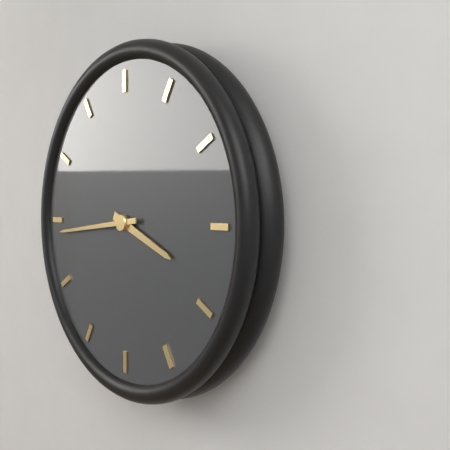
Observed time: 3:44
